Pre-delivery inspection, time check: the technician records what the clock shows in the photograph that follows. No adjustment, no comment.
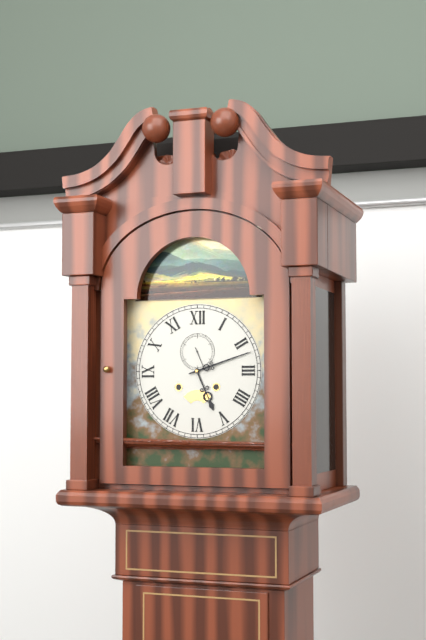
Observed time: 5:12
